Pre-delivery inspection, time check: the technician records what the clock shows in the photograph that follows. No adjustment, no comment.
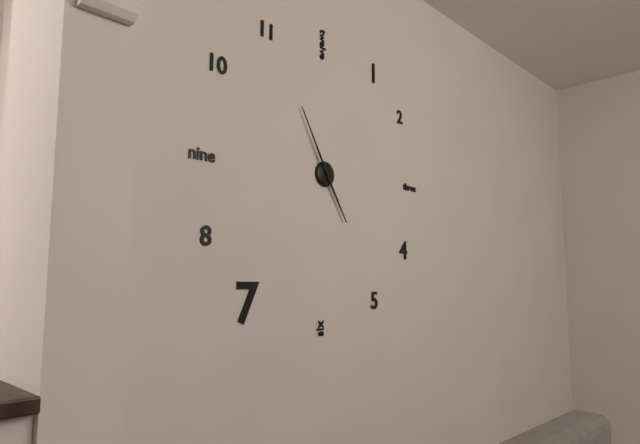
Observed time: 4:55
